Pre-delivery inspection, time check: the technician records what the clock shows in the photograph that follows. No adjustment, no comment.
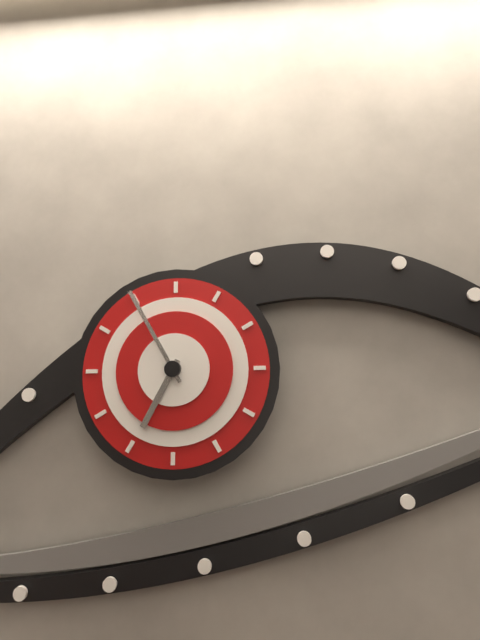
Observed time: 6:55
